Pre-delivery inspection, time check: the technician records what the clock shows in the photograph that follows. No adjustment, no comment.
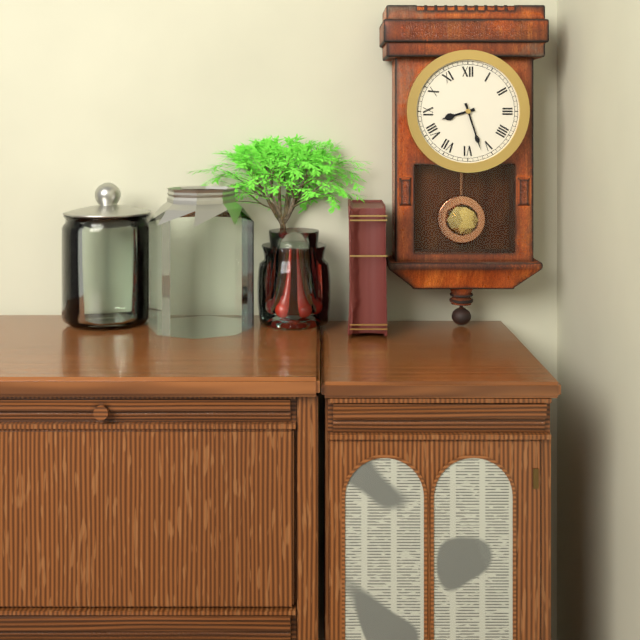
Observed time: 8:27
